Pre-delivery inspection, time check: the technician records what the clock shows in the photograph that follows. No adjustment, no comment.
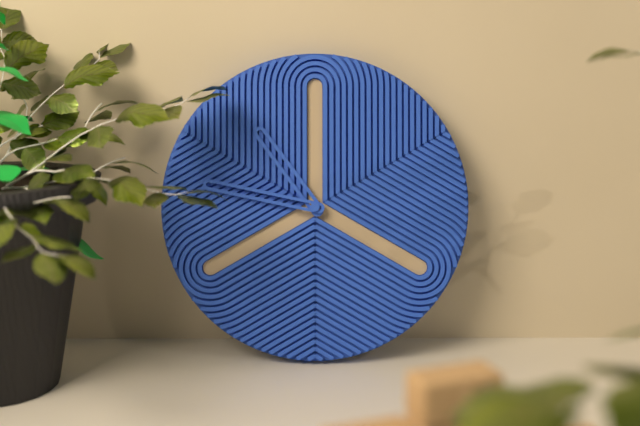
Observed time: 10:47
